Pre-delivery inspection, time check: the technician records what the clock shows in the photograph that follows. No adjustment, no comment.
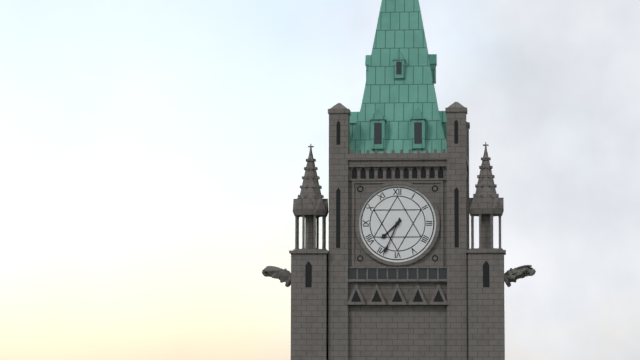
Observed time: 7:34
